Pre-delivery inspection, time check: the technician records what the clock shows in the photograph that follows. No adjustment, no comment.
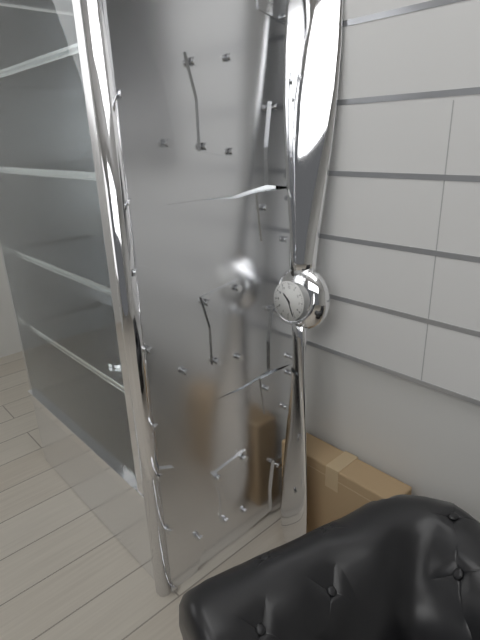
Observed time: 10:26
